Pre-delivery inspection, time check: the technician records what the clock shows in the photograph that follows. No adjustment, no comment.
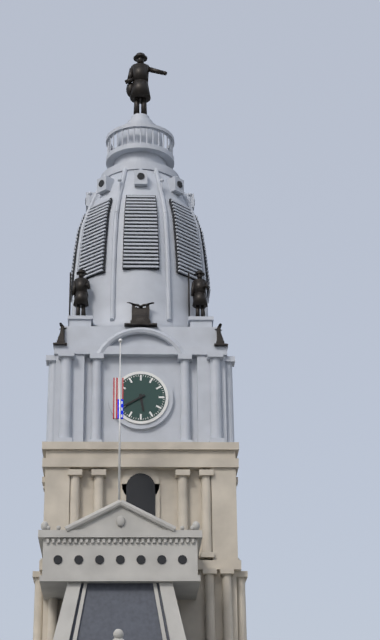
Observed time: 5:40
